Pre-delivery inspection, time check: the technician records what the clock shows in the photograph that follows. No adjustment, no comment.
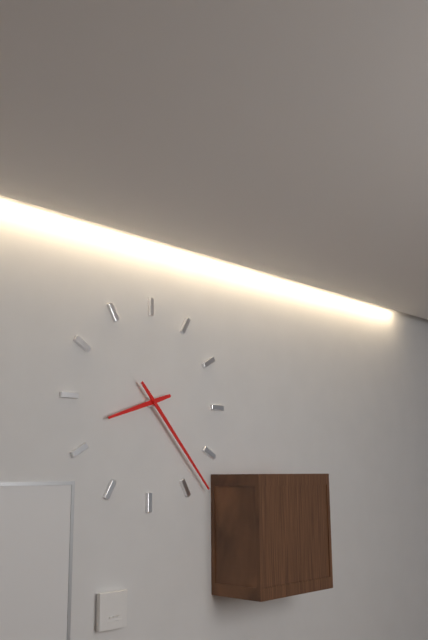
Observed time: 8:23
